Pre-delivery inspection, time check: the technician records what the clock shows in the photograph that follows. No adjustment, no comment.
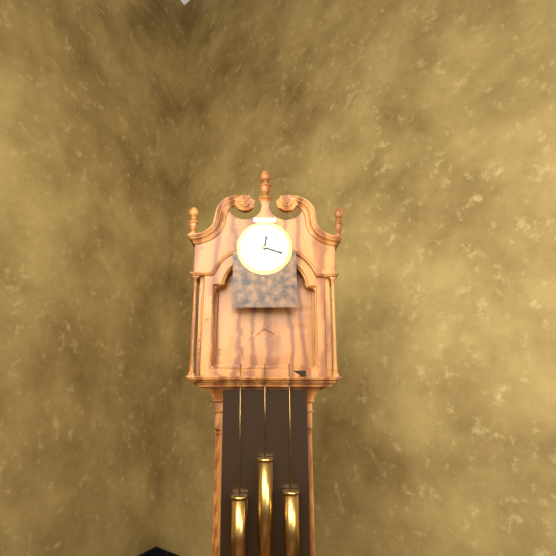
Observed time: 12:18
